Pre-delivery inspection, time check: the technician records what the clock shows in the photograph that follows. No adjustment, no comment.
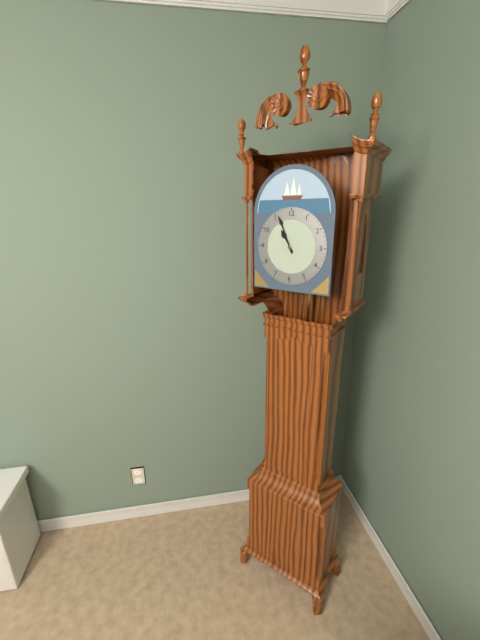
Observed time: 10:56
